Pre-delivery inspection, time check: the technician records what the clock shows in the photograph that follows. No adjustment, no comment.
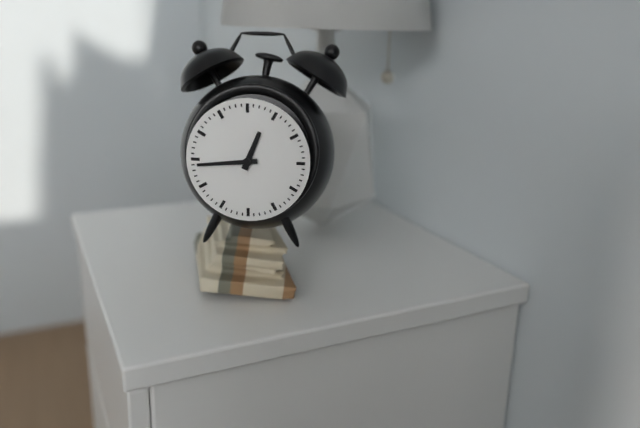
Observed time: 12:44
